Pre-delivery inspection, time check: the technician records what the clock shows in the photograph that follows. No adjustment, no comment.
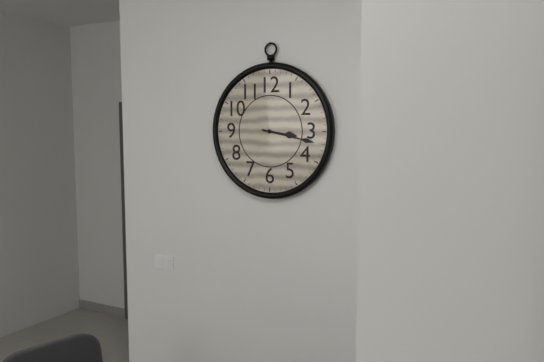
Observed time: 3:17
